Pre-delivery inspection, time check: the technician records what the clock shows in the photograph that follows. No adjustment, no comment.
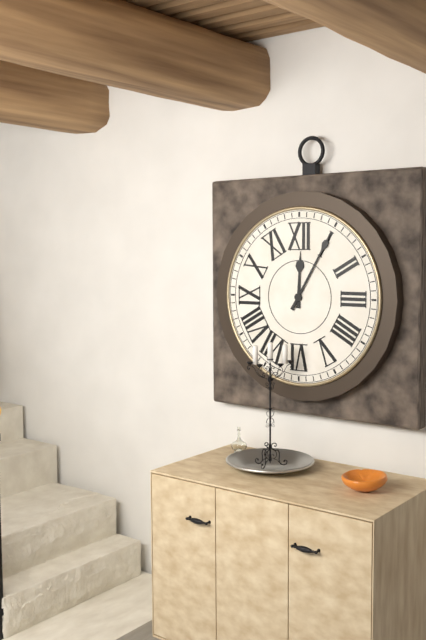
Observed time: 12:05
